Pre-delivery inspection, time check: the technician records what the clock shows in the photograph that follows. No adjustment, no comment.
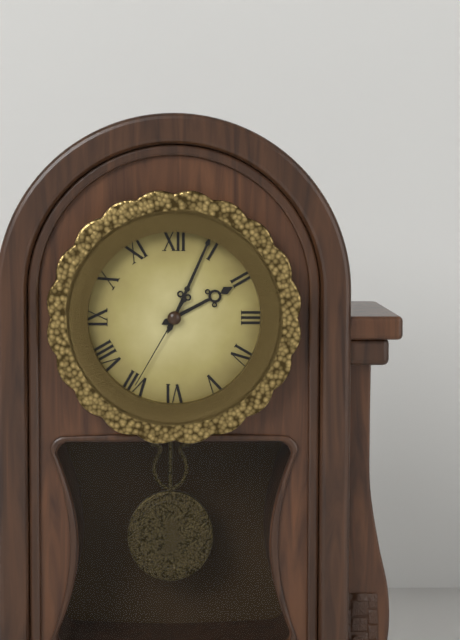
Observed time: 2:04:35
